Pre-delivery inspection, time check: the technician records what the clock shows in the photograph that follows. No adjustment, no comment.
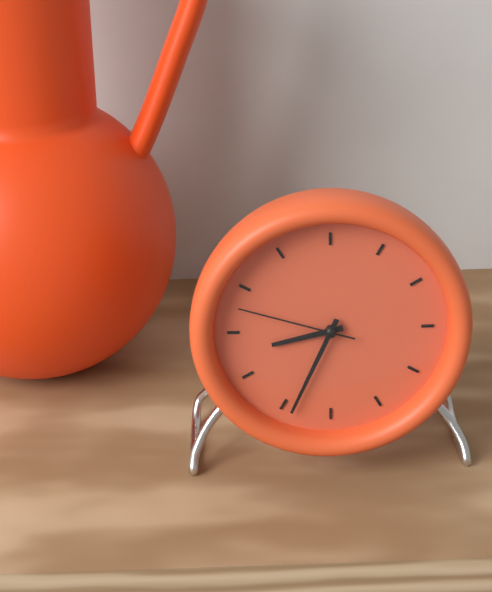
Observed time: 8:34:48
